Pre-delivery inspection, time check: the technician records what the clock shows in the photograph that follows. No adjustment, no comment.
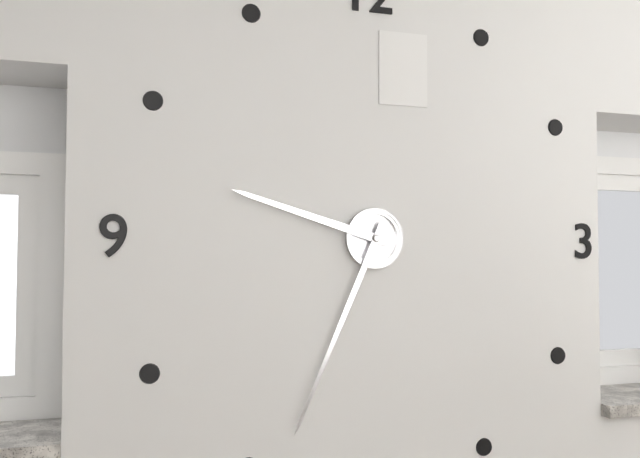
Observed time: 9:34
